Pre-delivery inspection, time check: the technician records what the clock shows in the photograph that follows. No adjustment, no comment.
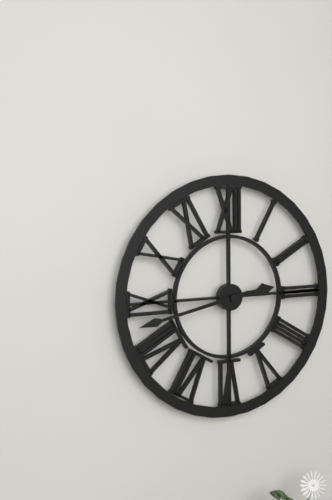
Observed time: 2:43
